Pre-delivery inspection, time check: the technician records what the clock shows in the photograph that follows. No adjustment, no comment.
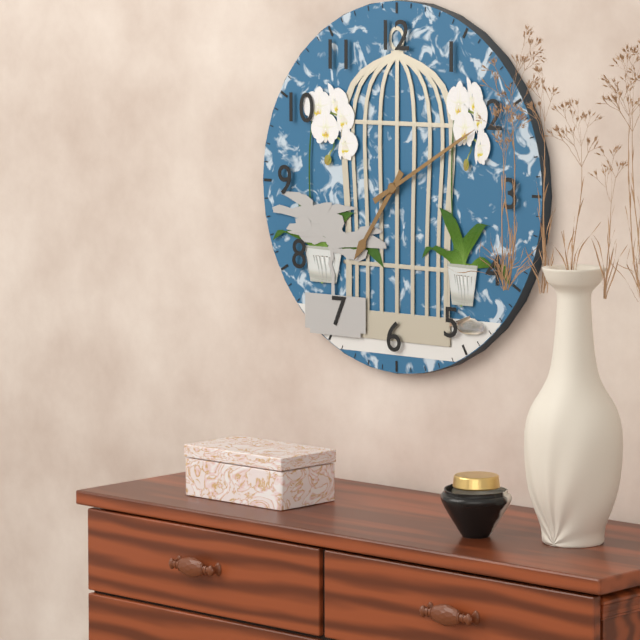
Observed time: 7:10
